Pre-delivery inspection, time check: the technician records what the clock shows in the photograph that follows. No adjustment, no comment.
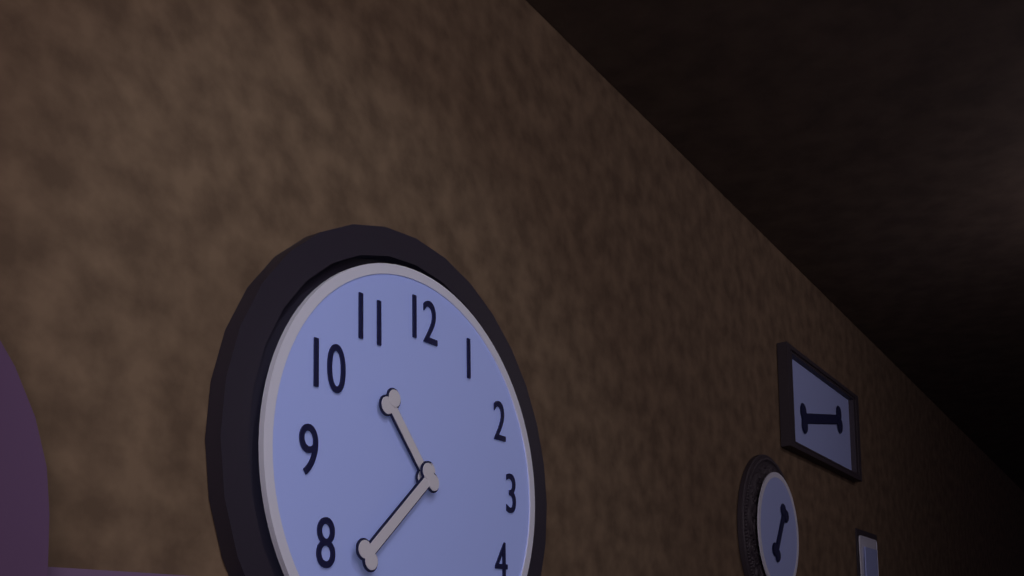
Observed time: 10:38
